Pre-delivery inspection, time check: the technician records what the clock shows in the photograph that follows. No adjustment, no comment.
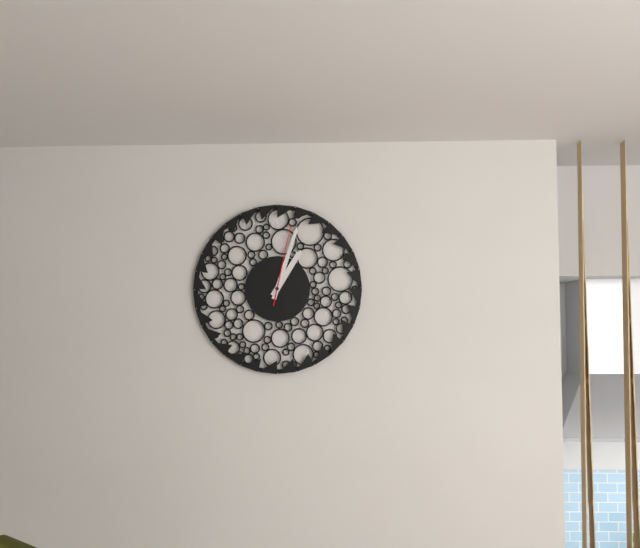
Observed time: 1:03:02
